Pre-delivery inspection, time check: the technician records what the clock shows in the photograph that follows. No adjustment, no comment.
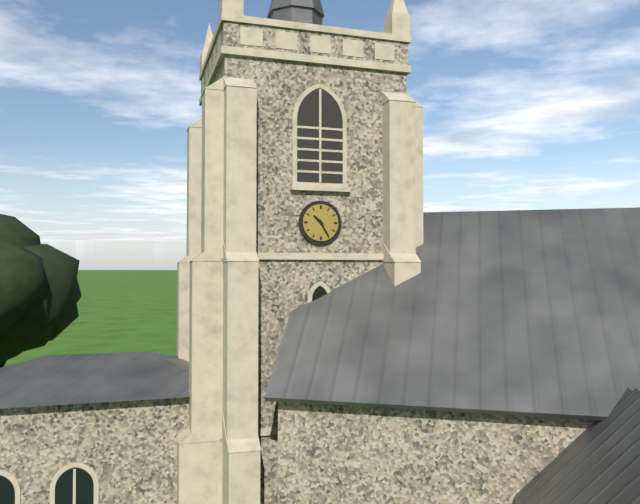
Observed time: 10:25
